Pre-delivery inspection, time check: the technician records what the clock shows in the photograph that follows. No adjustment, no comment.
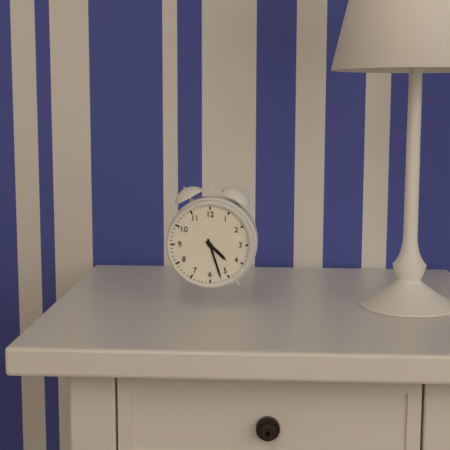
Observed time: 4:27
